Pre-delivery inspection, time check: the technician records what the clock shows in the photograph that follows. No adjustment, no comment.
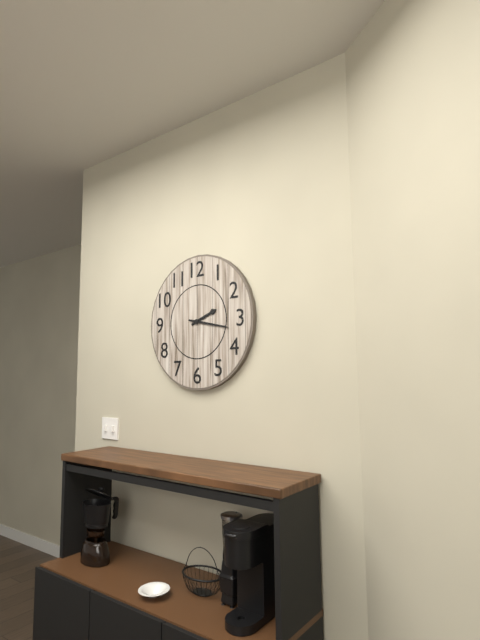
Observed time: 2:17
